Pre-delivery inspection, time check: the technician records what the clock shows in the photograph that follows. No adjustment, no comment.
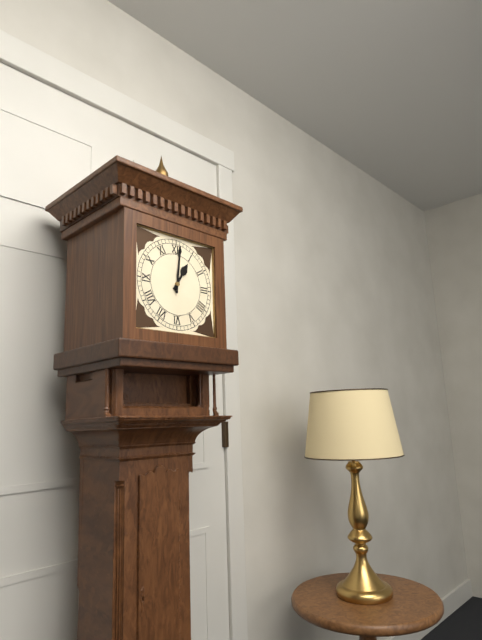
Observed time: 1:01
